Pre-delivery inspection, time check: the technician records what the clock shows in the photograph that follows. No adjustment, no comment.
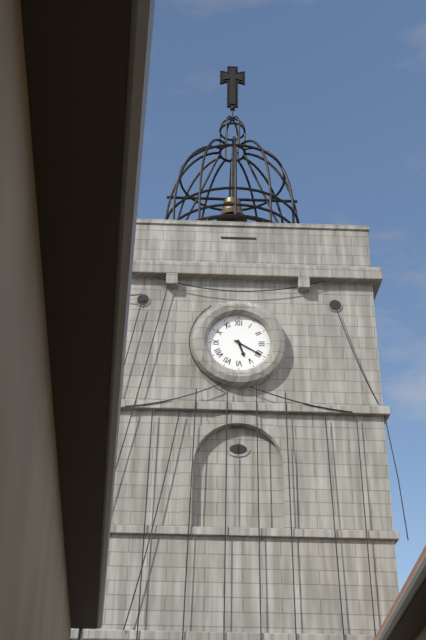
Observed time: 5:20
